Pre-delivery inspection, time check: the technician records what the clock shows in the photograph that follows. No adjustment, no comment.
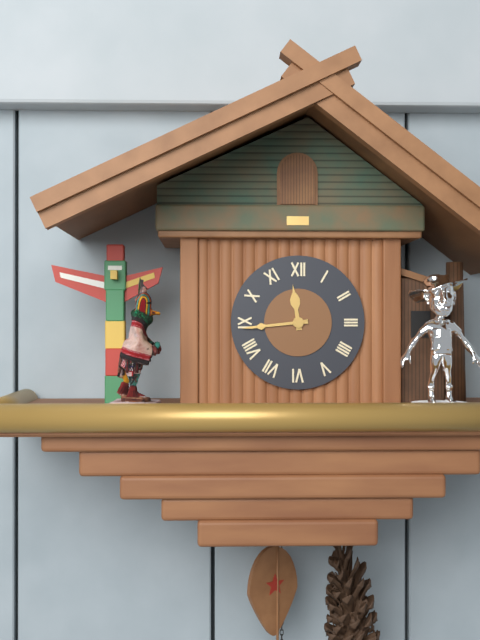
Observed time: 11:44
